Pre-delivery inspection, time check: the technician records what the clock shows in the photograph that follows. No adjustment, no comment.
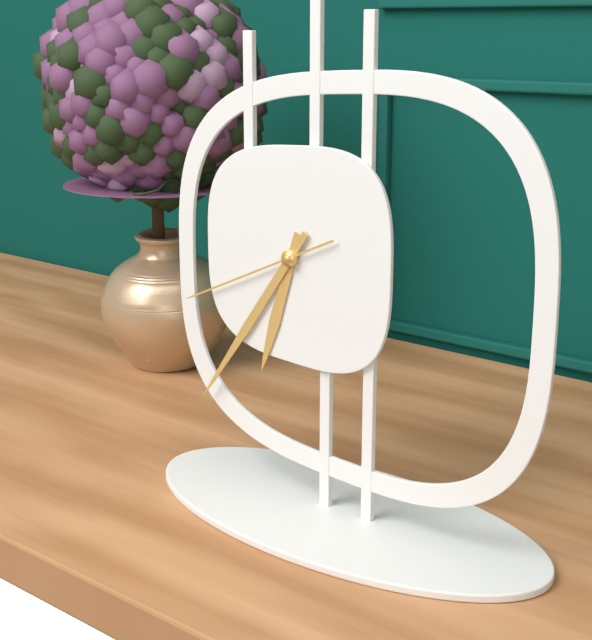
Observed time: 6:36:41
